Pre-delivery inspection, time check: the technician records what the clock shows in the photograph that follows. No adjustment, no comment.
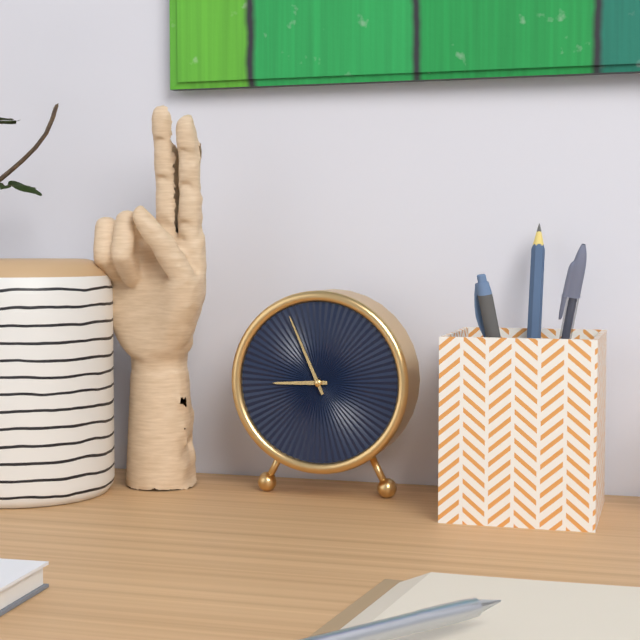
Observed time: 8:56
